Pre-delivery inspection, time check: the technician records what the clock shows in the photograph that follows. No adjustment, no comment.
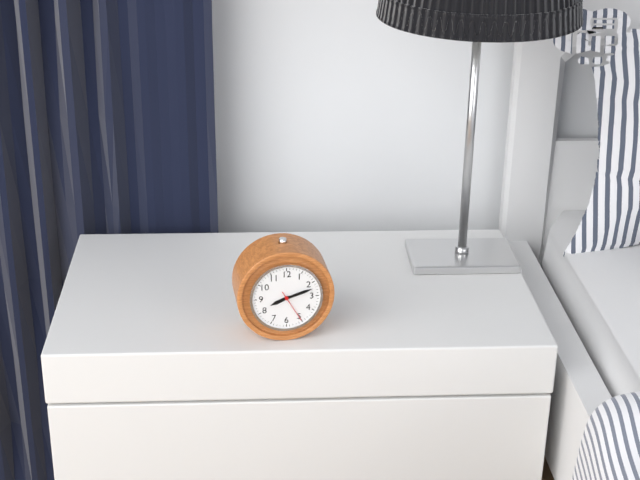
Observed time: 8:12
